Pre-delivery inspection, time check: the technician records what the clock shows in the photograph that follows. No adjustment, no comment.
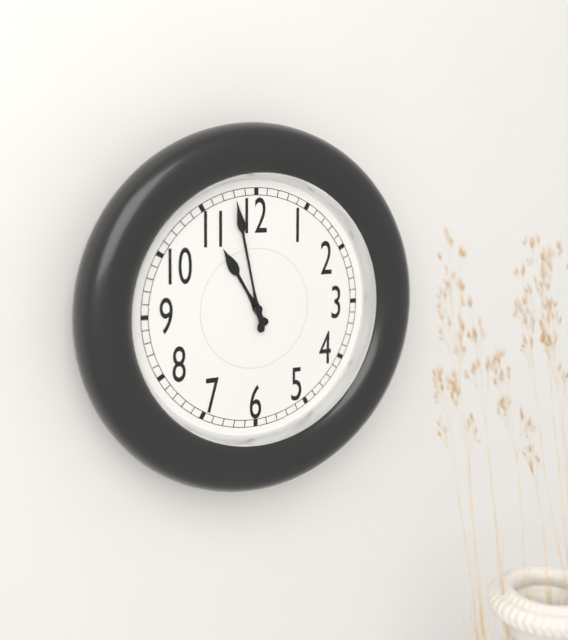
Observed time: 10:58
